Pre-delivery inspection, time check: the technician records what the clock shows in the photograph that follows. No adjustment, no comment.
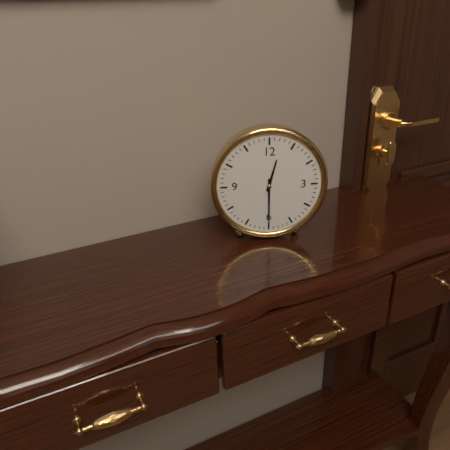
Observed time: 12:30
